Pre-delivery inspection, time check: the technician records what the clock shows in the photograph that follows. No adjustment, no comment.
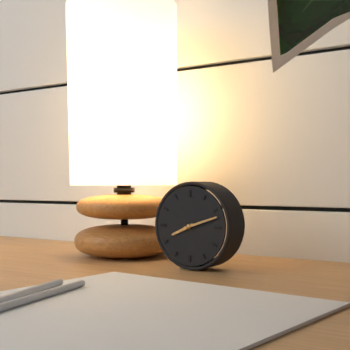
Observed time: 8:12
